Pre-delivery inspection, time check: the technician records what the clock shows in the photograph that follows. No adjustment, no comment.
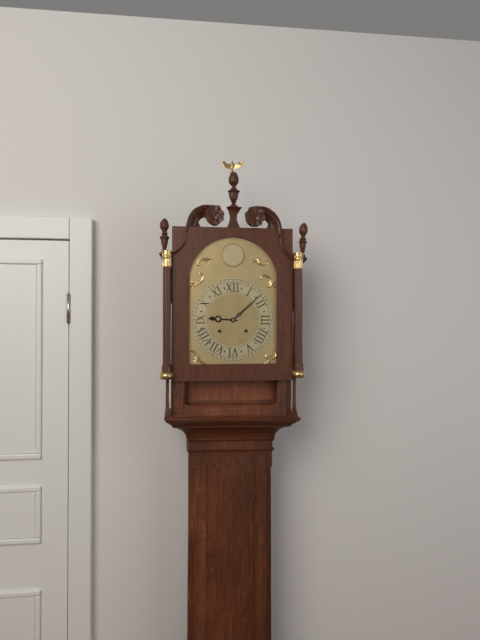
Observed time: 9:08
